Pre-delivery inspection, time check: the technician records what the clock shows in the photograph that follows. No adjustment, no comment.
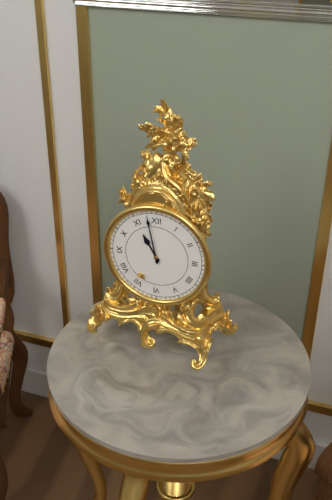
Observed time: 10:58
